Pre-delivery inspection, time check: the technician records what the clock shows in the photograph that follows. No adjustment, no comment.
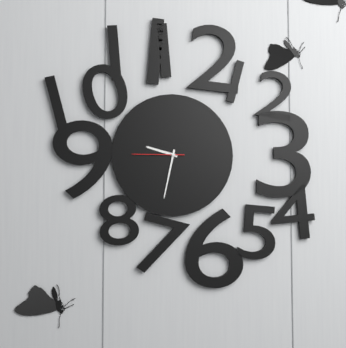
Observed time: 9:32:45
